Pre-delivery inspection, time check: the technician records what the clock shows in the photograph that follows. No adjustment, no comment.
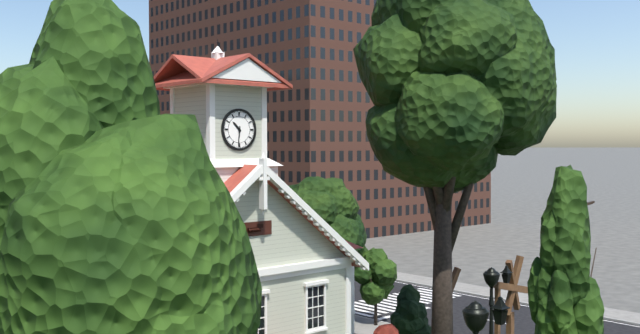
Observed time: 10:31
